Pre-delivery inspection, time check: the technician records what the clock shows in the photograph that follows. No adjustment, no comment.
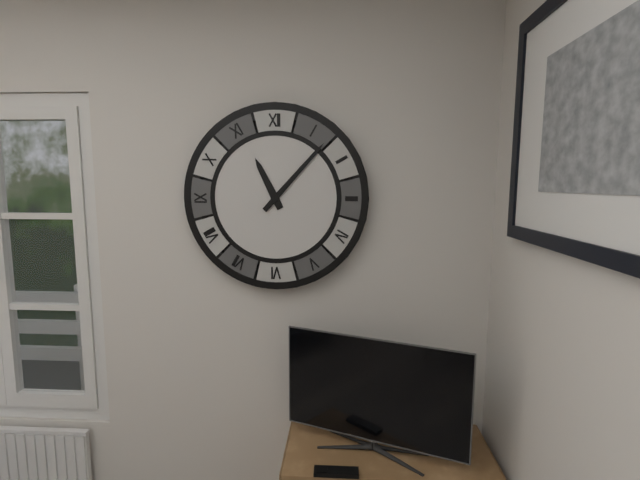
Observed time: 11:07
